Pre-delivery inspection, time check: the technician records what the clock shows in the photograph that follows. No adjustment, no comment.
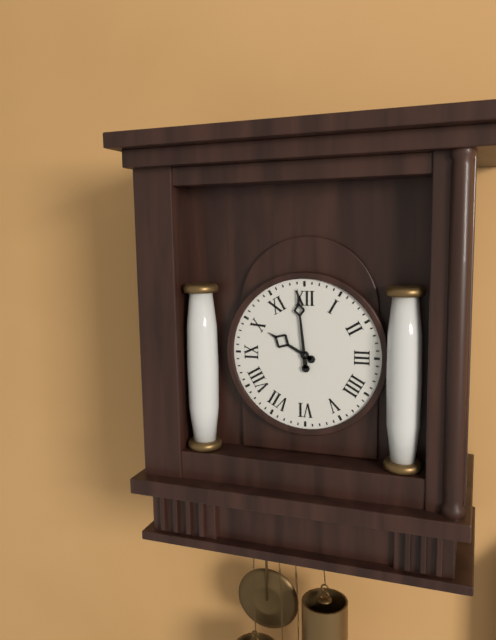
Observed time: 9:59
